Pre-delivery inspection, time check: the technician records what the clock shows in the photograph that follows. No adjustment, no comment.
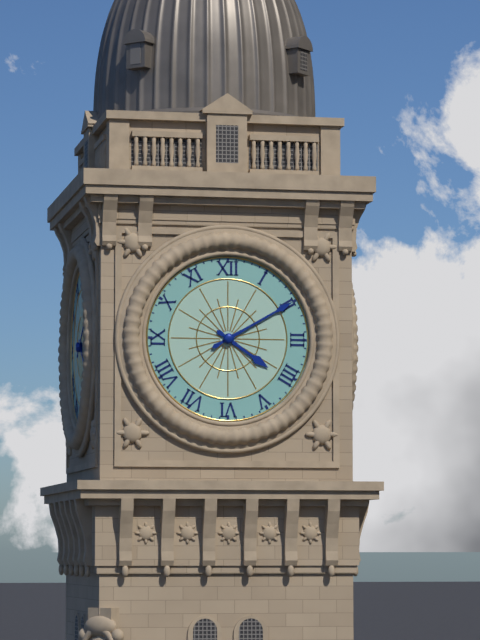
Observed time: 4:10
